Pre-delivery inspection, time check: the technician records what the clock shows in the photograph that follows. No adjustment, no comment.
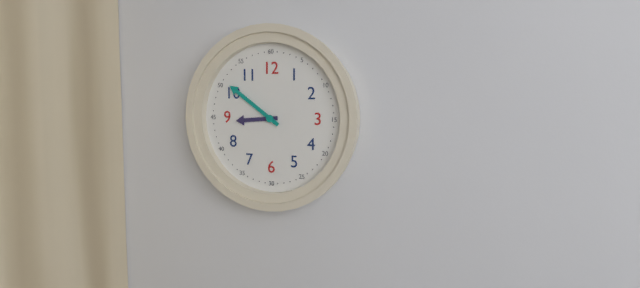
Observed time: 8:51
